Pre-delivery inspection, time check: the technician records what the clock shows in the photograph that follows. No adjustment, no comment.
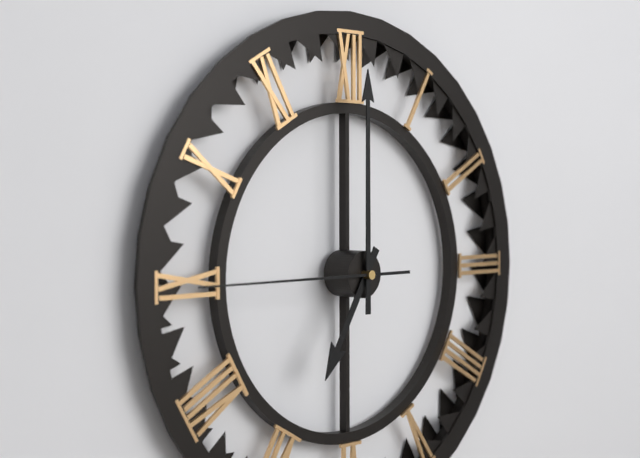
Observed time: 7:00:45
